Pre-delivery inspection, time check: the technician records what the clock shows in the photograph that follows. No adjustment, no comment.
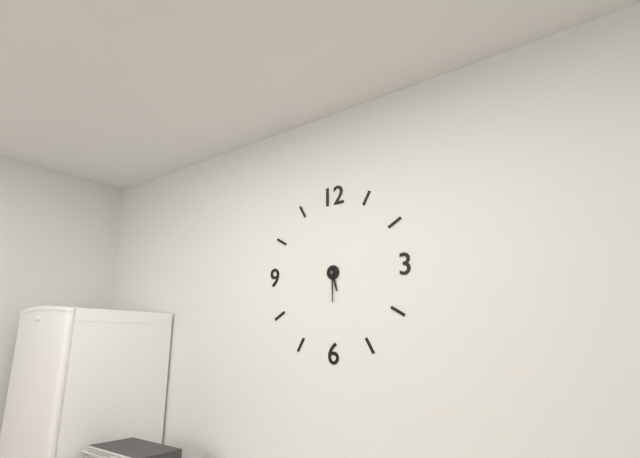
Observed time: 5:30
